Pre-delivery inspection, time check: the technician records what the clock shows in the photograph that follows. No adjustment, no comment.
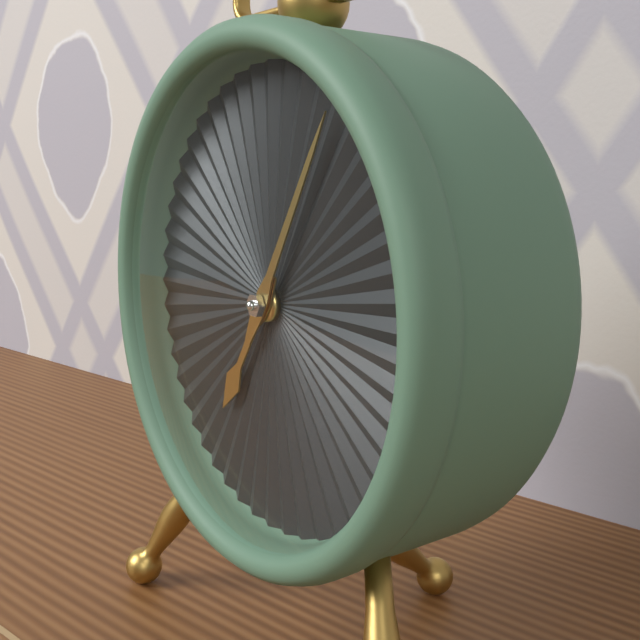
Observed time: 7:05
